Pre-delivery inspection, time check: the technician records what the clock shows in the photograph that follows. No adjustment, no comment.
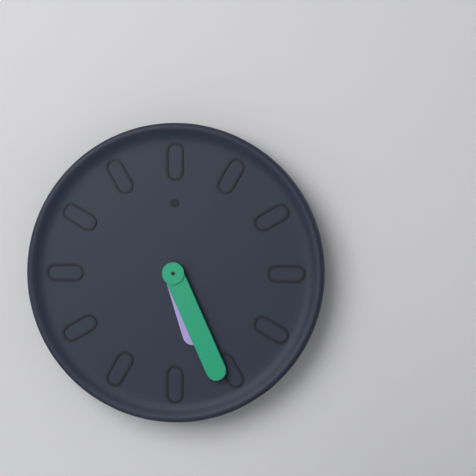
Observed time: 5:26
